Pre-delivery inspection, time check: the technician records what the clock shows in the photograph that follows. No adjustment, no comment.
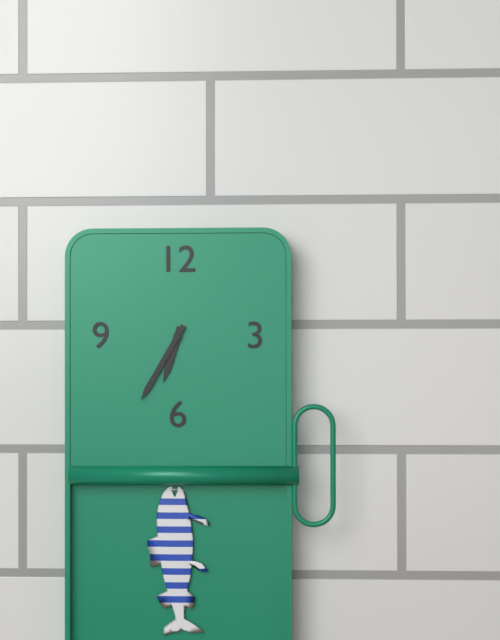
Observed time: 6:35
